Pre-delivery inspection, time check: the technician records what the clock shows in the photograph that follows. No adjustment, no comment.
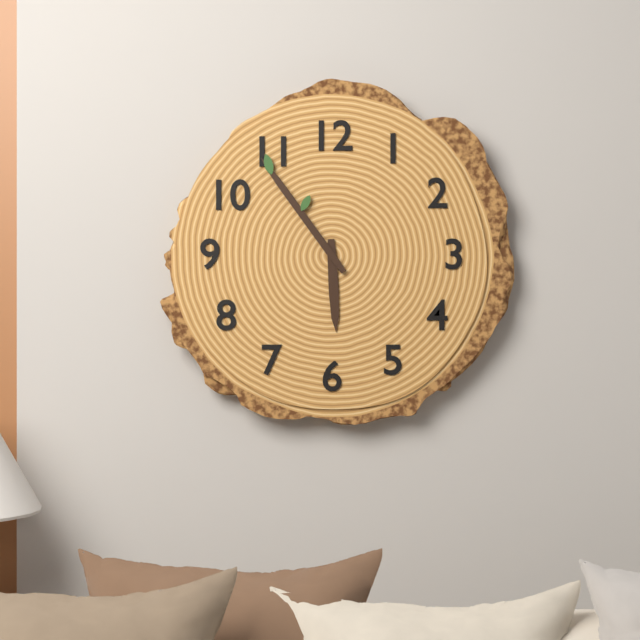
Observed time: 5:54
